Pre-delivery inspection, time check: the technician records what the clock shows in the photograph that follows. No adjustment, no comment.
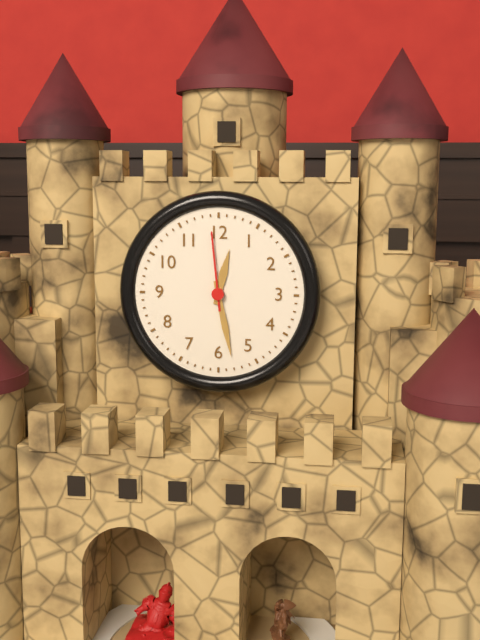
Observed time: 12:28:59
